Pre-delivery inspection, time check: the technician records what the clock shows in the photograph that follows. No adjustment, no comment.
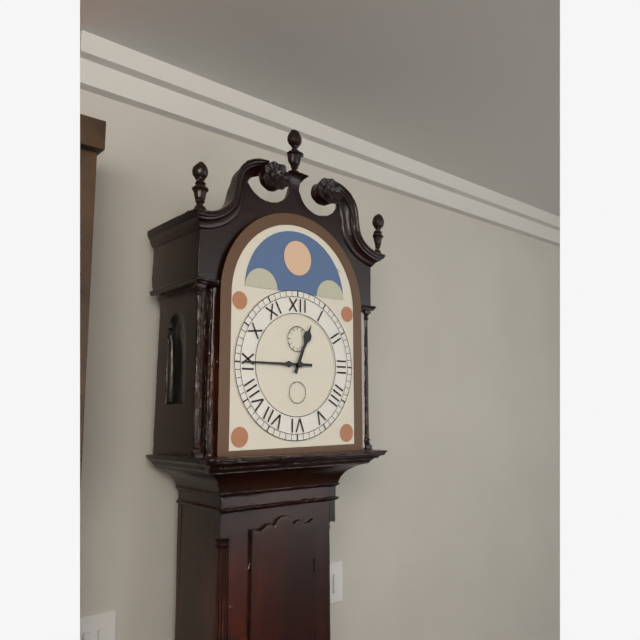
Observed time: 12:45
